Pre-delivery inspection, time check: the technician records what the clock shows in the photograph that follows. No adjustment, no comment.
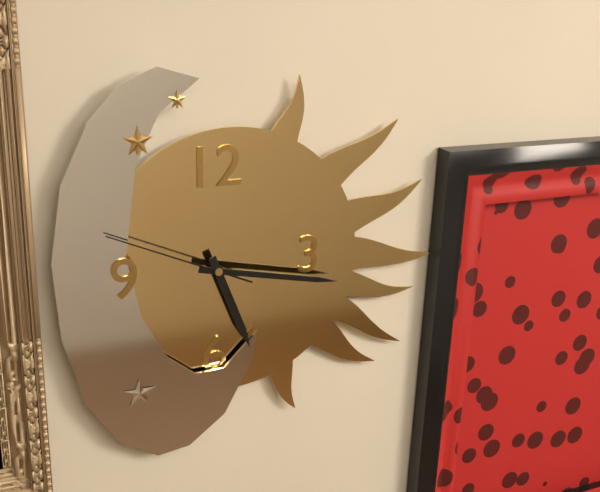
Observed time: 5:17:49
